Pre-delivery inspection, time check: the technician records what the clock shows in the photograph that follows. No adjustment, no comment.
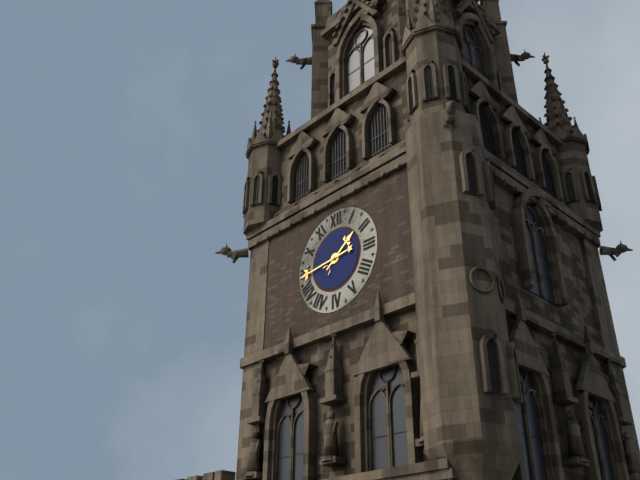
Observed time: 1:44
